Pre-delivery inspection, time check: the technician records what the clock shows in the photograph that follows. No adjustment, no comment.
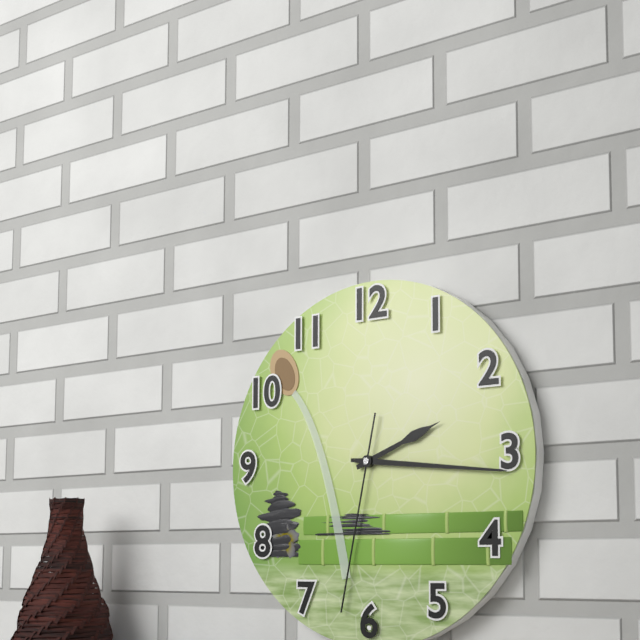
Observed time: 2:16:32
